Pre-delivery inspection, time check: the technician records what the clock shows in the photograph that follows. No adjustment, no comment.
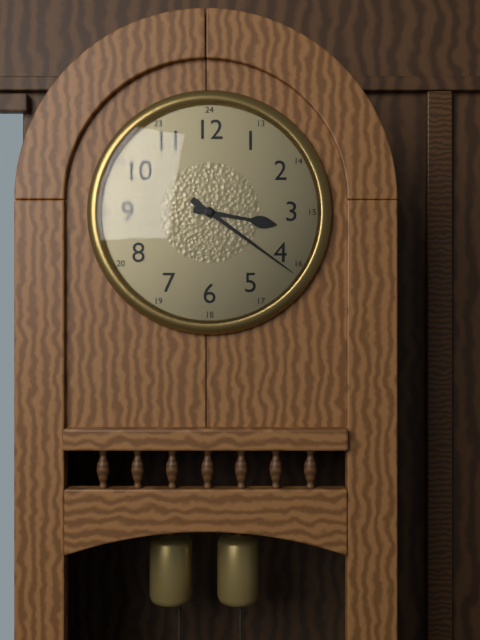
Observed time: 3:21
